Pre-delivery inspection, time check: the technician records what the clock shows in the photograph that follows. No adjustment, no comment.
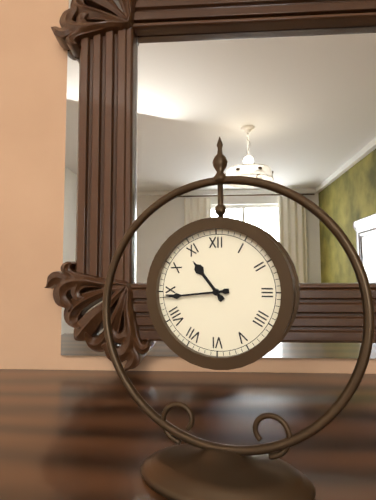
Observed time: 10:44
